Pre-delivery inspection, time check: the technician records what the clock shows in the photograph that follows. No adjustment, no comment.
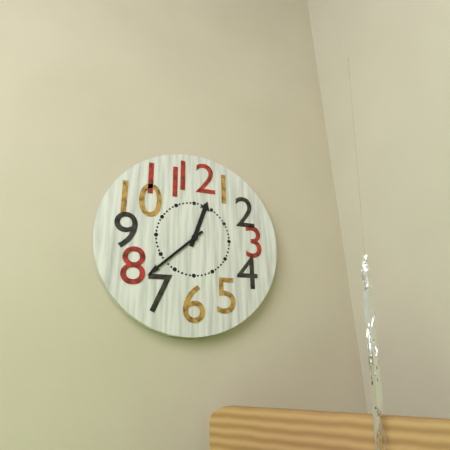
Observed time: 12:38
